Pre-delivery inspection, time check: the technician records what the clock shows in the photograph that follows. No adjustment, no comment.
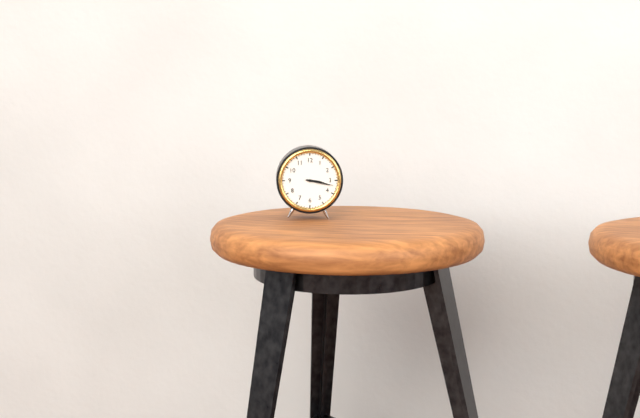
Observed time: 3:17
